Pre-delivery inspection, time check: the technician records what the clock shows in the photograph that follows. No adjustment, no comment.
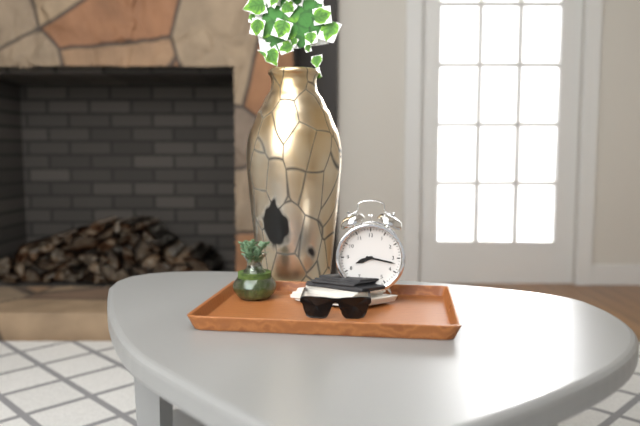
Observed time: 8:17
